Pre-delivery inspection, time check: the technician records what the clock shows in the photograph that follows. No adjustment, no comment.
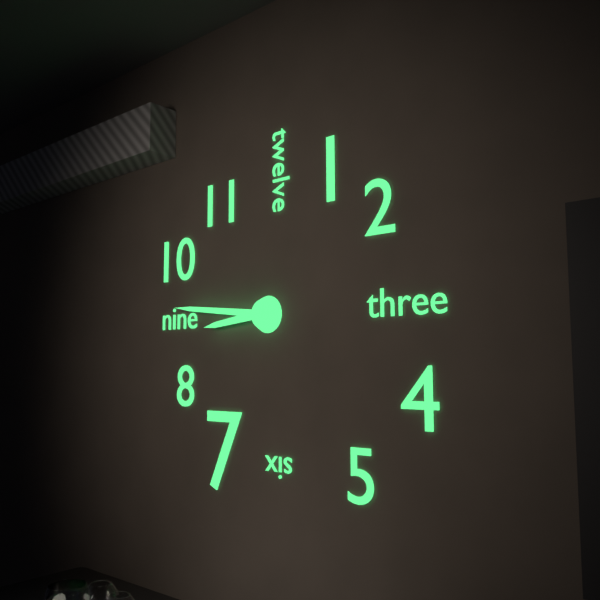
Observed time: 8:46
